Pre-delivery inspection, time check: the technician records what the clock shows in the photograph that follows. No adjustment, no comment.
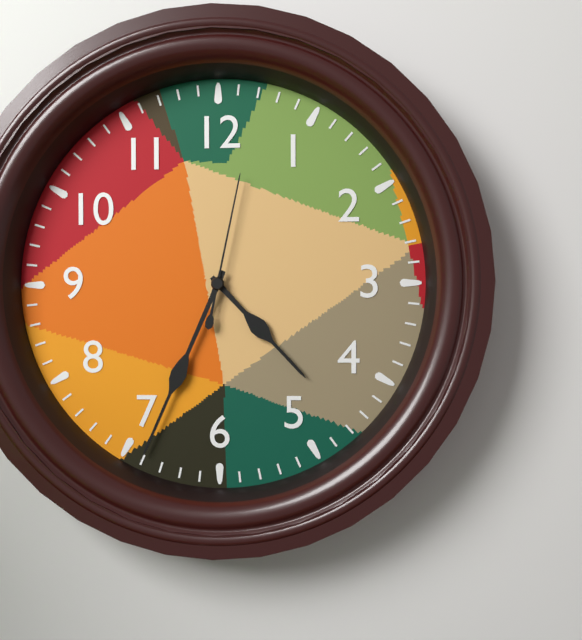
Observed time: 4:34:02
